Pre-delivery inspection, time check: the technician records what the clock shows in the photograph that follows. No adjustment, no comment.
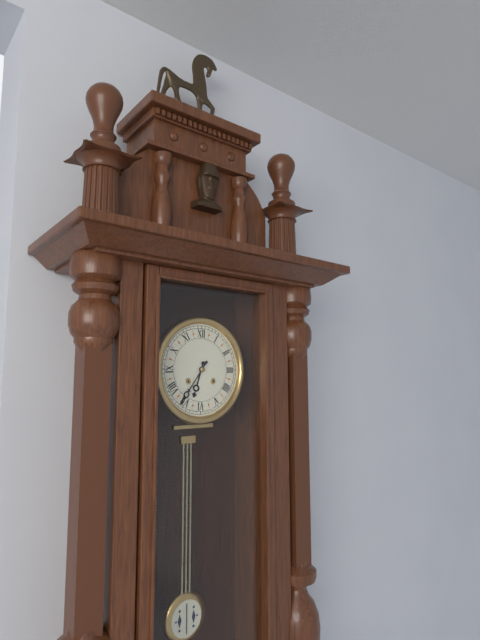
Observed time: 6:36
